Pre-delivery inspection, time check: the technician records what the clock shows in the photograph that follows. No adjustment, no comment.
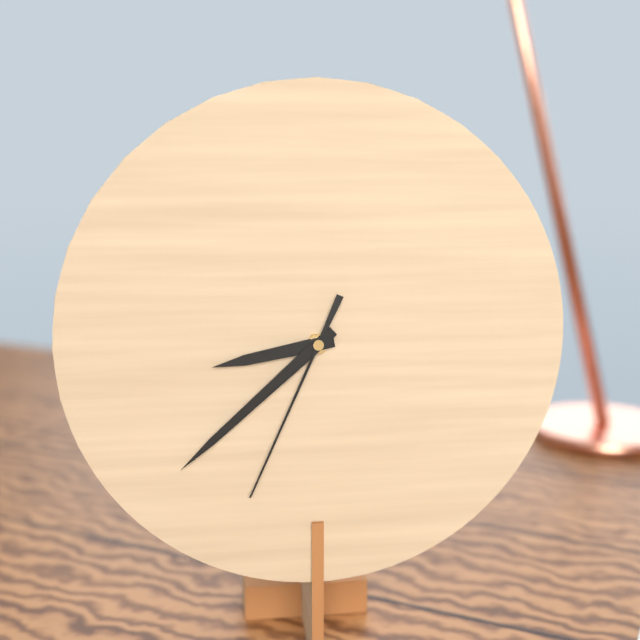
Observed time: 8:38:34
